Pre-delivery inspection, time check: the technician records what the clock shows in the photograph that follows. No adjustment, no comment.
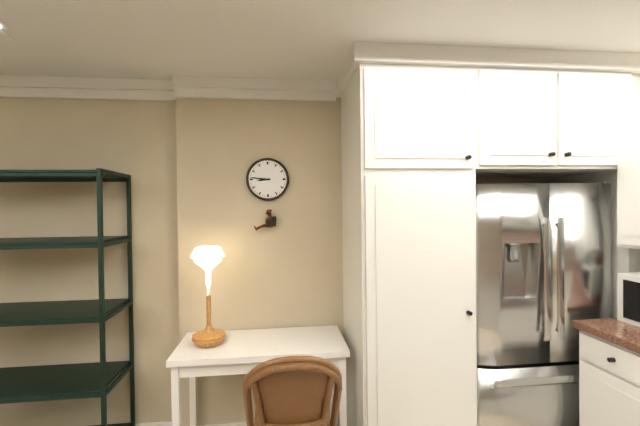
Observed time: 8:46
